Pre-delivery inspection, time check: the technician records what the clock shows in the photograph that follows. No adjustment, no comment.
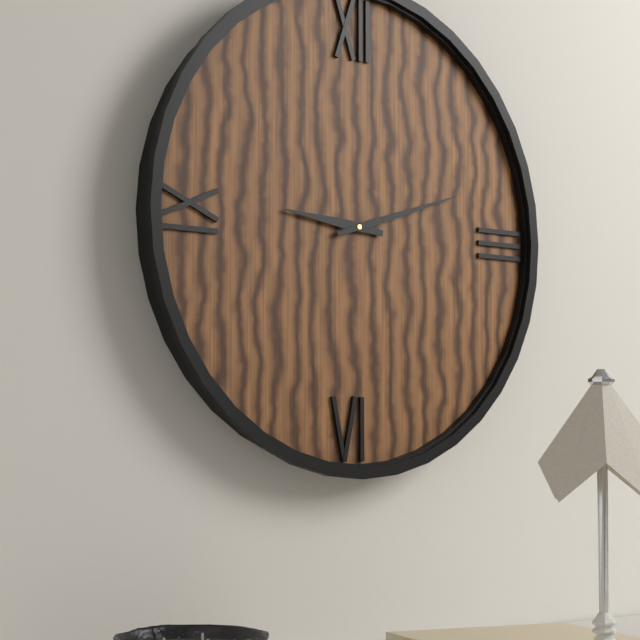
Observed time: 9:12
